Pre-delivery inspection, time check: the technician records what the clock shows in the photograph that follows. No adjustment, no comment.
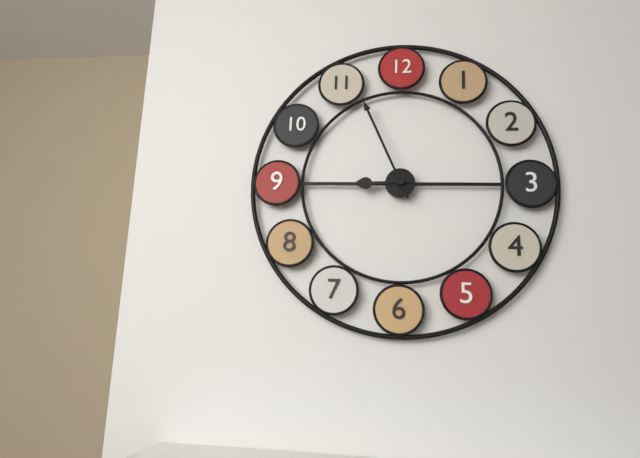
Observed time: 8:56
